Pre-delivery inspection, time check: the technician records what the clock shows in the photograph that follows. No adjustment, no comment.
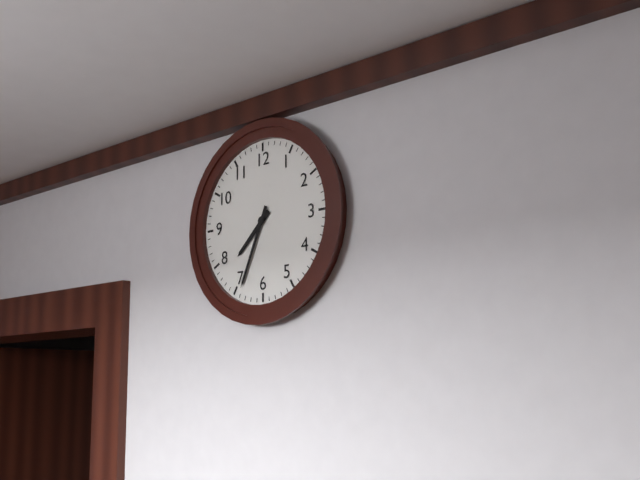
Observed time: 7:34
